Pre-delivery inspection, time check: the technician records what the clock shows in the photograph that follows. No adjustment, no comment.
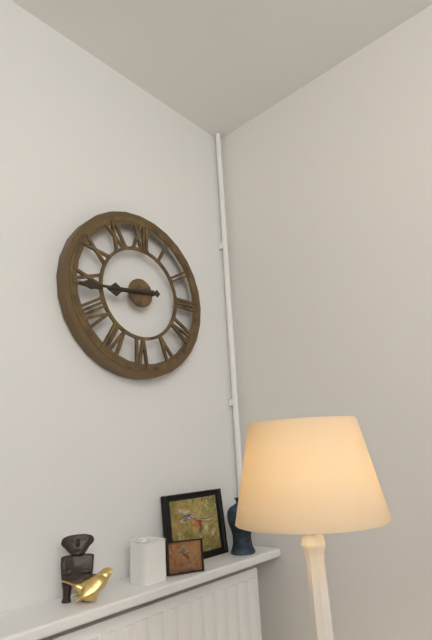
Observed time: 8:44
